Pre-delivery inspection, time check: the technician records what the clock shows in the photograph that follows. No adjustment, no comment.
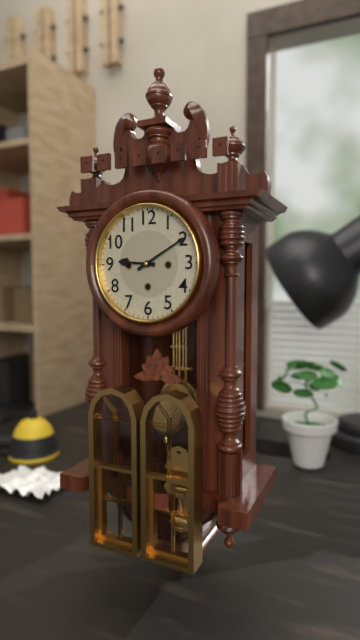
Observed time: 9:10
